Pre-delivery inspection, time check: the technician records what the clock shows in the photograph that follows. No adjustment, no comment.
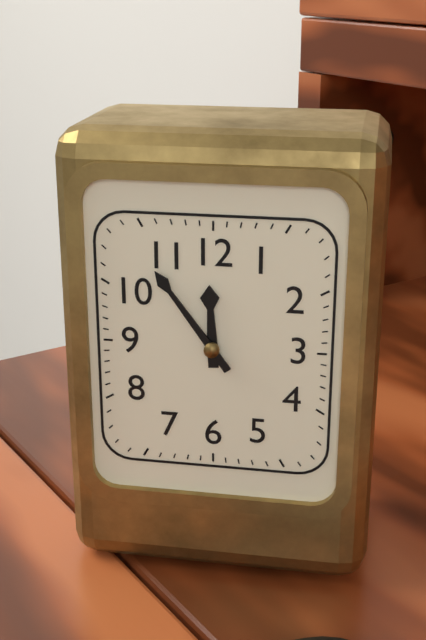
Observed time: 11:54
